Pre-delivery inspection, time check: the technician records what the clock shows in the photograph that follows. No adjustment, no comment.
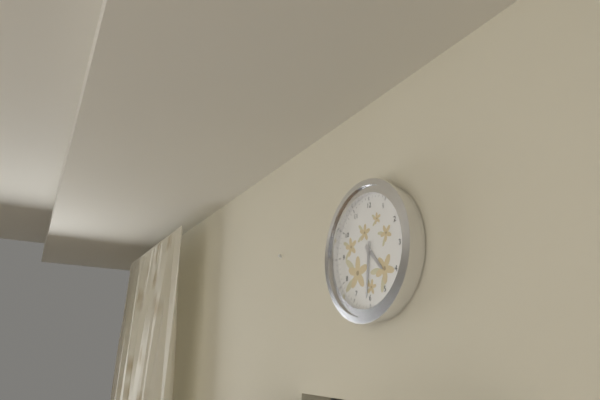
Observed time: 4:31
